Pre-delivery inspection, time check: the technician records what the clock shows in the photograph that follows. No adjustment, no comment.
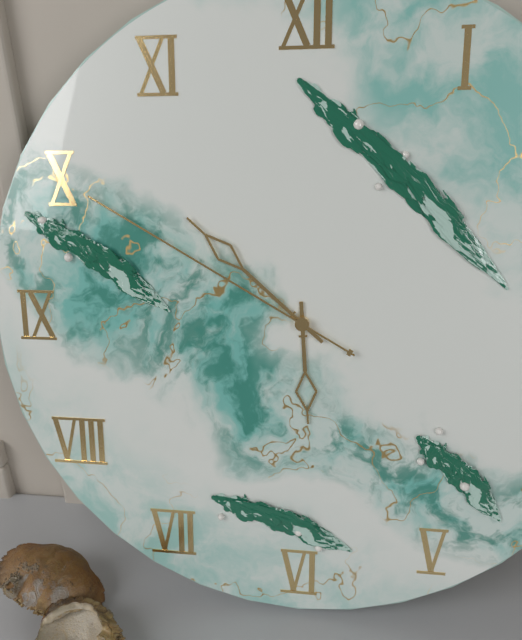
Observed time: 5:52:50
